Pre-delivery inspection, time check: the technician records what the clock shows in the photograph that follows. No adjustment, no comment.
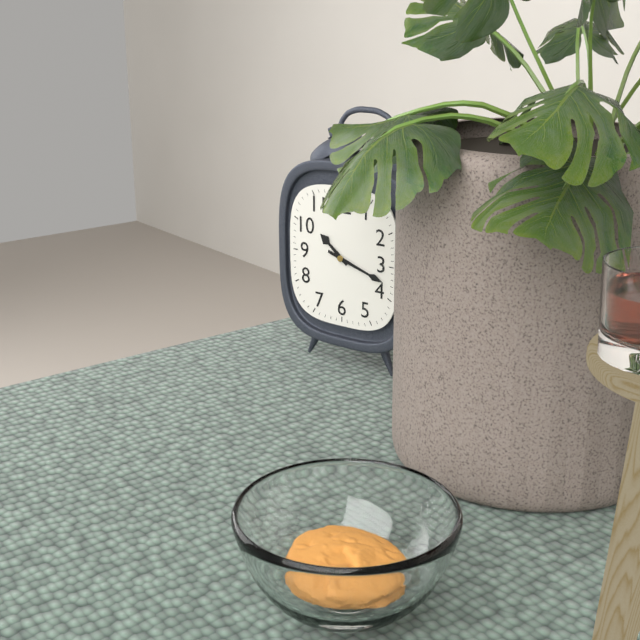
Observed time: 10:18
